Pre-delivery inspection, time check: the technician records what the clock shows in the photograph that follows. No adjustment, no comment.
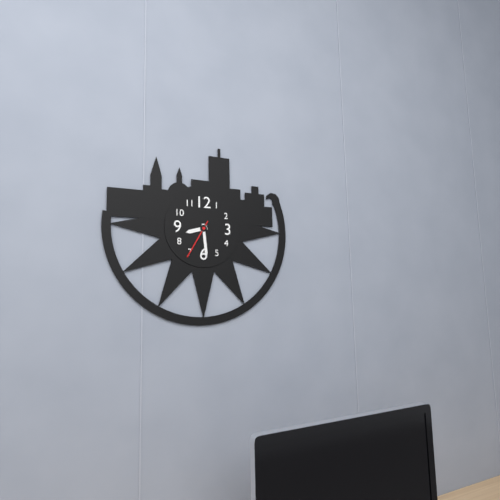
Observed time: 8:29
